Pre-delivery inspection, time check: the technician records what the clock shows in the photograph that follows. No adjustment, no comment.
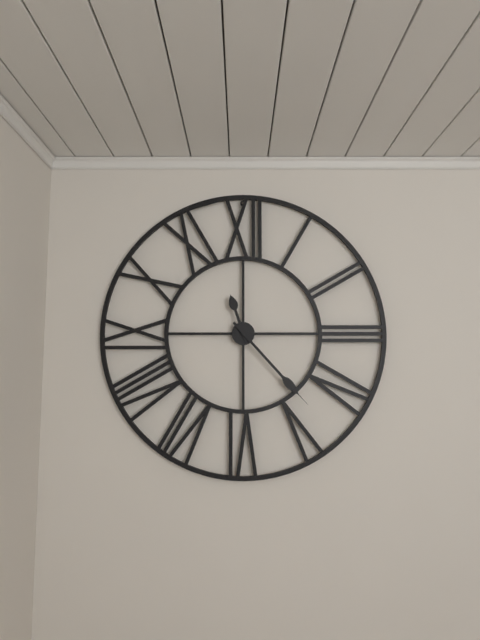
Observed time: 11:23
